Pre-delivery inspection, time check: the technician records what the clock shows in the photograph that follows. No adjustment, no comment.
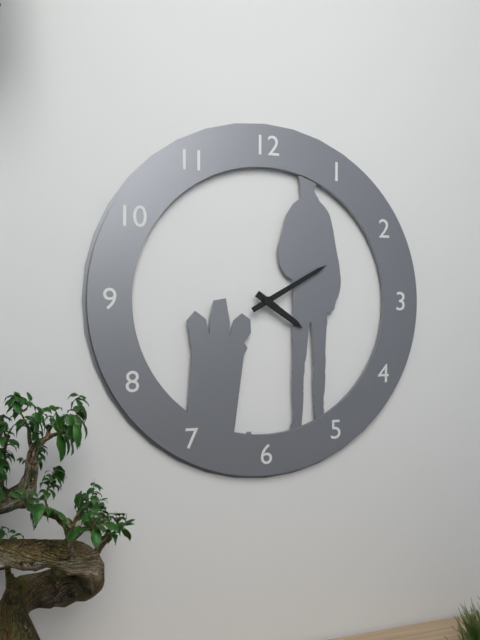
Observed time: 4:10
